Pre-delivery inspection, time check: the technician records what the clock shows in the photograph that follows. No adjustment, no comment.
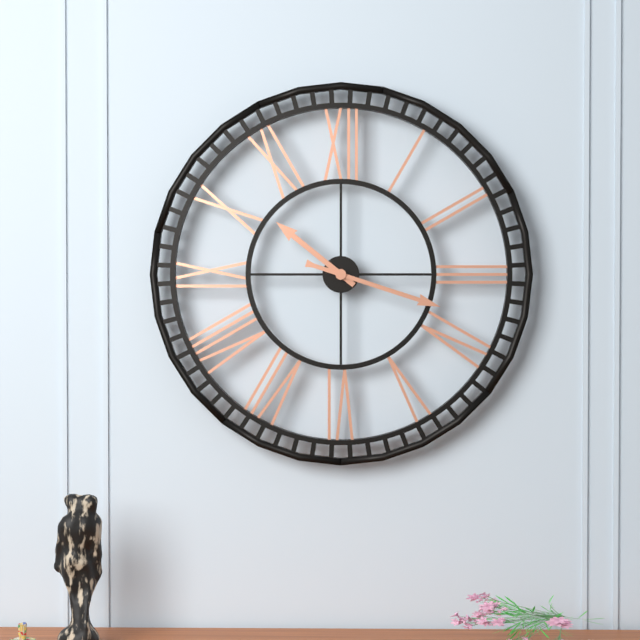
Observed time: 10:18
